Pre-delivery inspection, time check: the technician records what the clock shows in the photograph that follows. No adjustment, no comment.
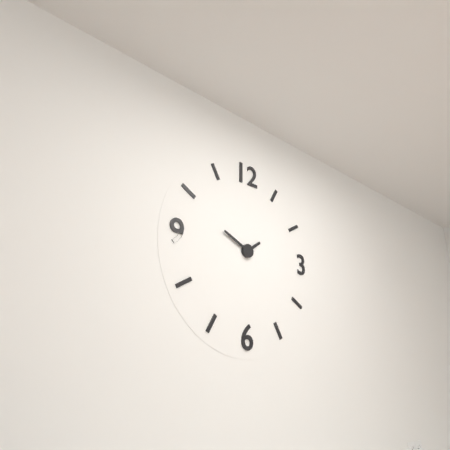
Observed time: 1:49
